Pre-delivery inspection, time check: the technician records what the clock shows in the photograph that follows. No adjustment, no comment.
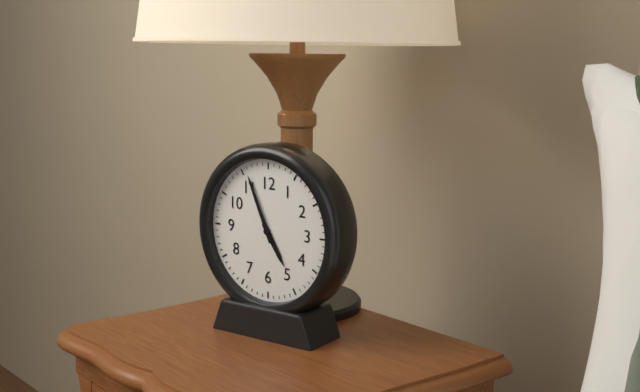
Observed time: 4:56
